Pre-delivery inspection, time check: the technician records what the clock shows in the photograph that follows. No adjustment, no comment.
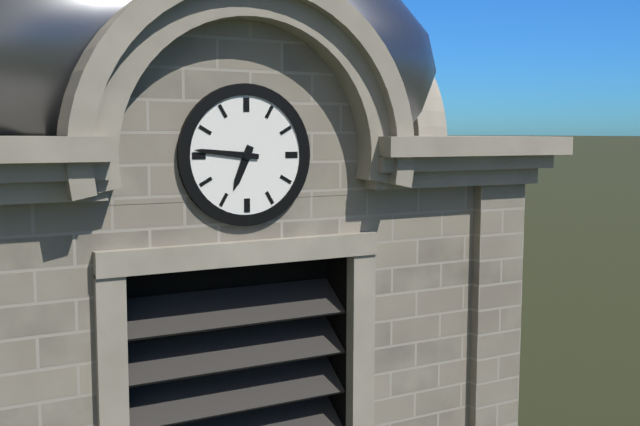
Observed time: 6:46
